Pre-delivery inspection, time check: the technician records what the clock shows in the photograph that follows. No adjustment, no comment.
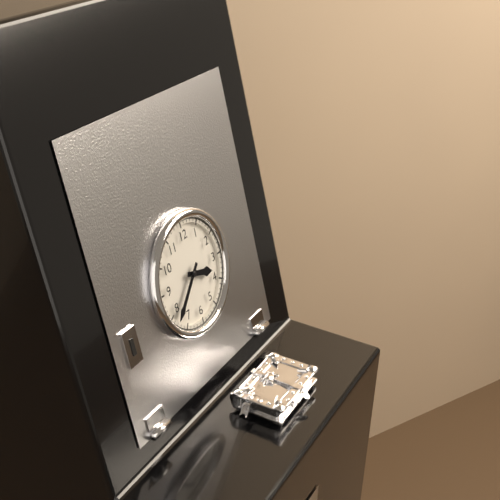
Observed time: 3:38
